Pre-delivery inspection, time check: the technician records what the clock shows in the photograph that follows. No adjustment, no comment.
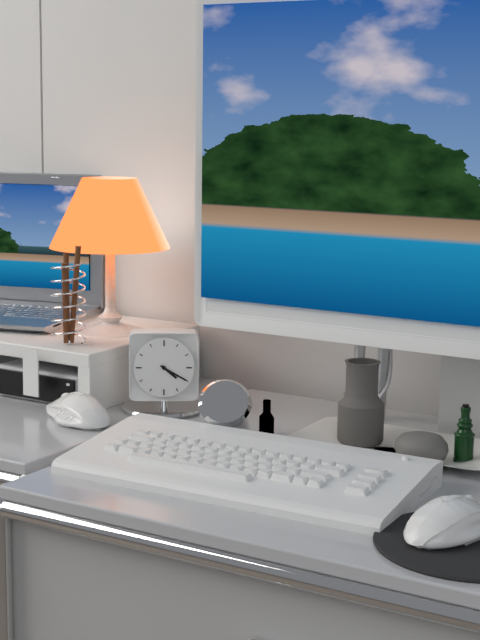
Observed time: 4:20
